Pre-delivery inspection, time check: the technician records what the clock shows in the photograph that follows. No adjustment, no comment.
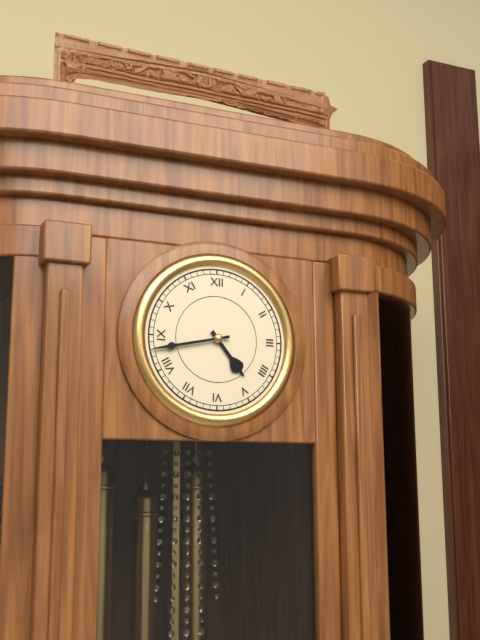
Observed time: 4:43
